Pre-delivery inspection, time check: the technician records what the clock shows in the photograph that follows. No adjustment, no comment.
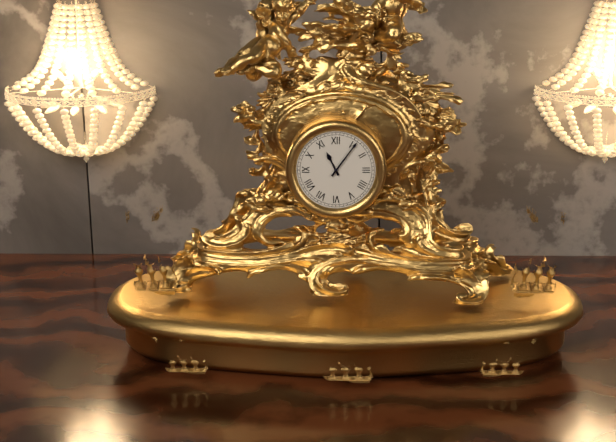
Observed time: 11:06
